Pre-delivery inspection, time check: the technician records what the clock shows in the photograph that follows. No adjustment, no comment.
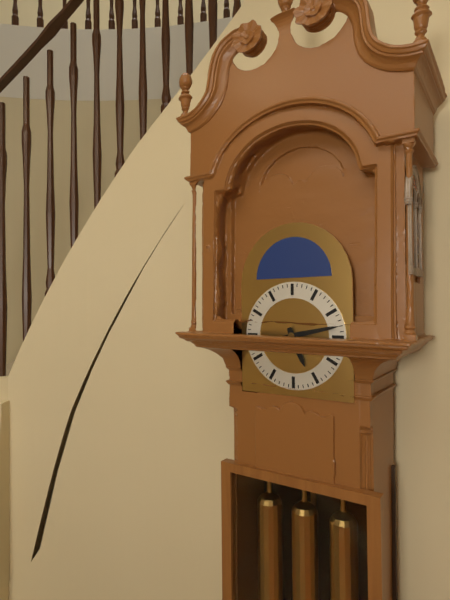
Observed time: 5:13
